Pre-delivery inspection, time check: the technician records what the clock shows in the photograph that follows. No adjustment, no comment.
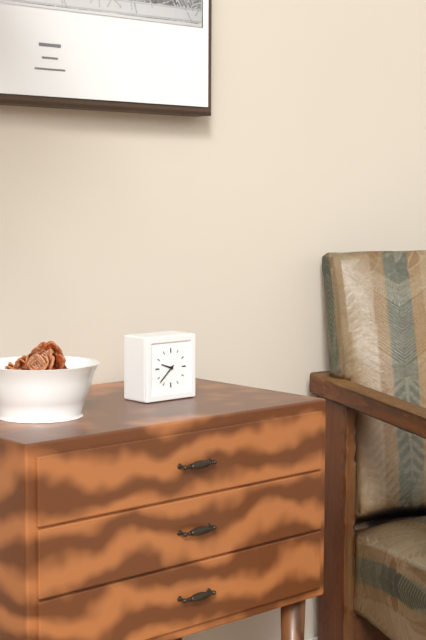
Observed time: 9:38
